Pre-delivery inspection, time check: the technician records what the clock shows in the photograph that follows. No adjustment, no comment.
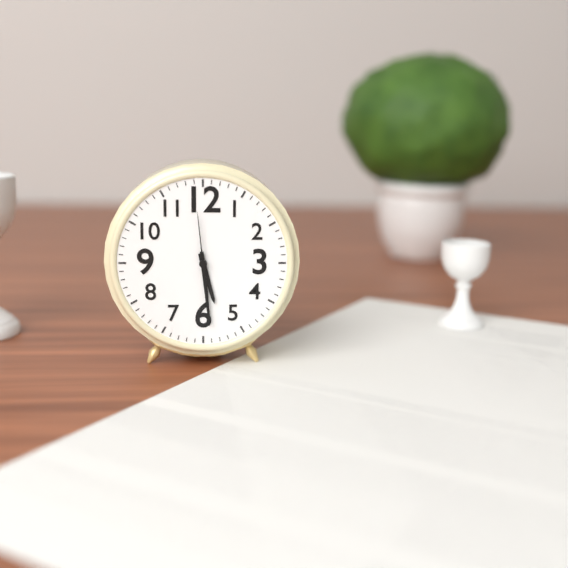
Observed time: 5:29:59
